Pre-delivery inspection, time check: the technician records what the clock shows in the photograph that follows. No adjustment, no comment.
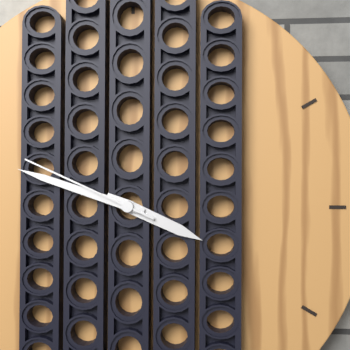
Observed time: 3:48:49
